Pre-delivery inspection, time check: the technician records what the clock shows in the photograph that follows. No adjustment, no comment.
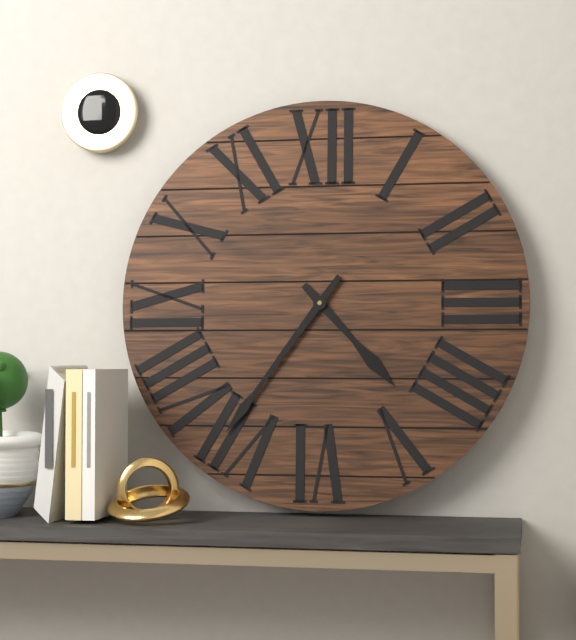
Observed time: 4:36
